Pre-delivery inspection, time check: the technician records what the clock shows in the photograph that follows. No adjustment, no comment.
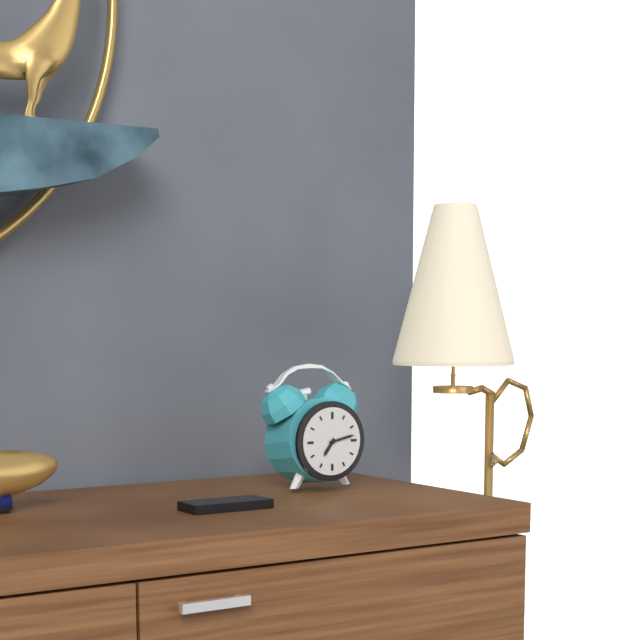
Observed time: 7:13
